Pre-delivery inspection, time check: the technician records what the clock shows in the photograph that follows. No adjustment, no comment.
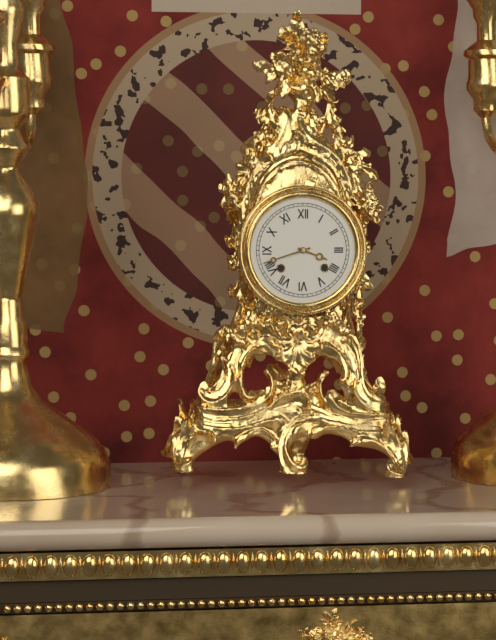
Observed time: 3:42
